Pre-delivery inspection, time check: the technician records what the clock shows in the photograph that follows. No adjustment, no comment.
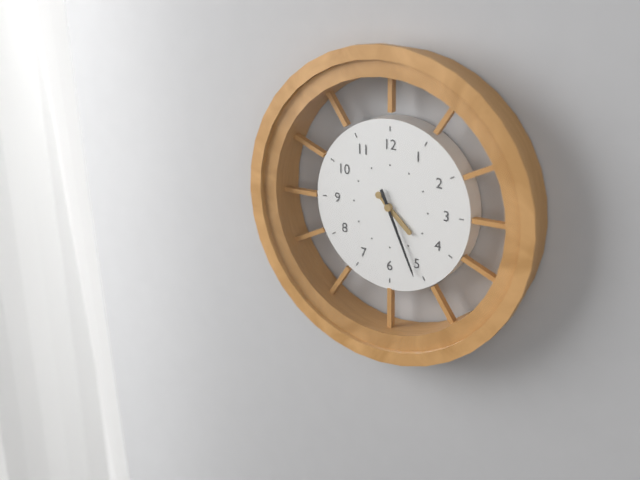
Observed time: 4:26
